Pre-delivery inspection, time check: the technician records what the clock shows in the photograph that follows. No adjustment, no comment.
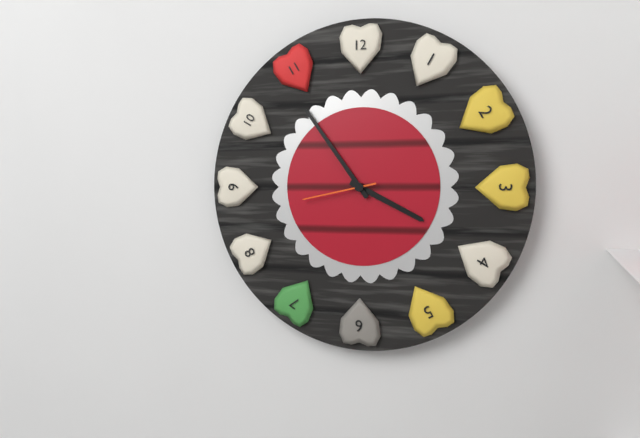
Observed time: 3:54:43
